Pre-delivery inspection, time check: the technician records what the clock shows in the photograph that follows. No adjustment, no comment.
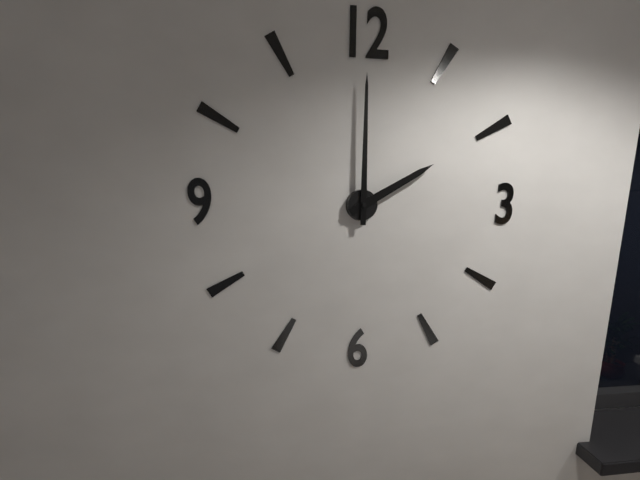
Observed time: 2:00
